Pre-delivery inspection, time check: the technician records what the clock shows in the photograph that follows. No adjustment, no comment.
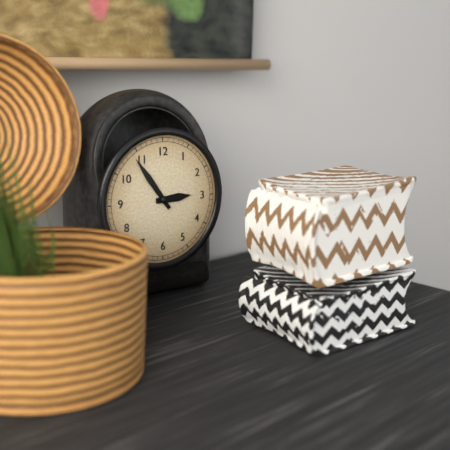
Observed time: 2:54
